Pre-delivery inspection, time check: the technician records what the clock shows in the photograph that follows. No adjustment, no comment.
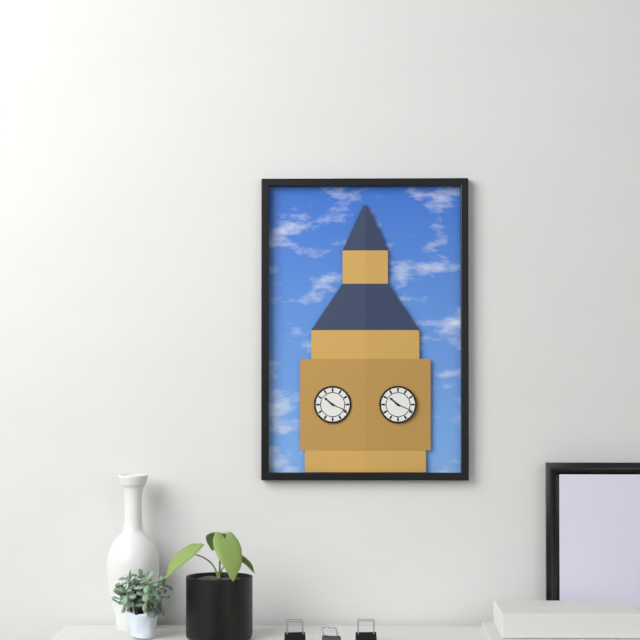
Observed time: 10:19
